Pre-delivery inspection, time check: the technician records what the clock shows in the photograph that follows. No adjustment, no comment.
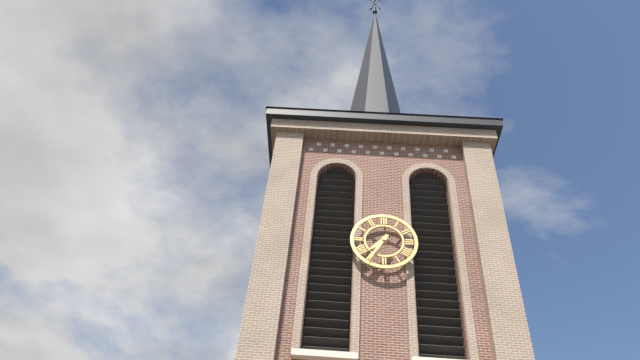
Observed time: 7:35
